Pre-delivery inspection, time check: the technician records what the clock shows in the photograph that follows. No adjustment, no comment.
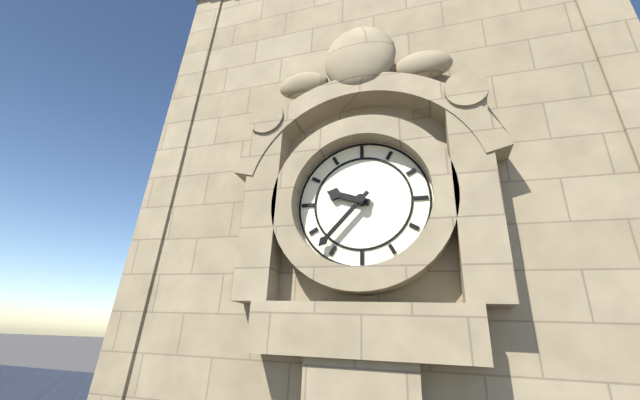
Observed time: 9:37
